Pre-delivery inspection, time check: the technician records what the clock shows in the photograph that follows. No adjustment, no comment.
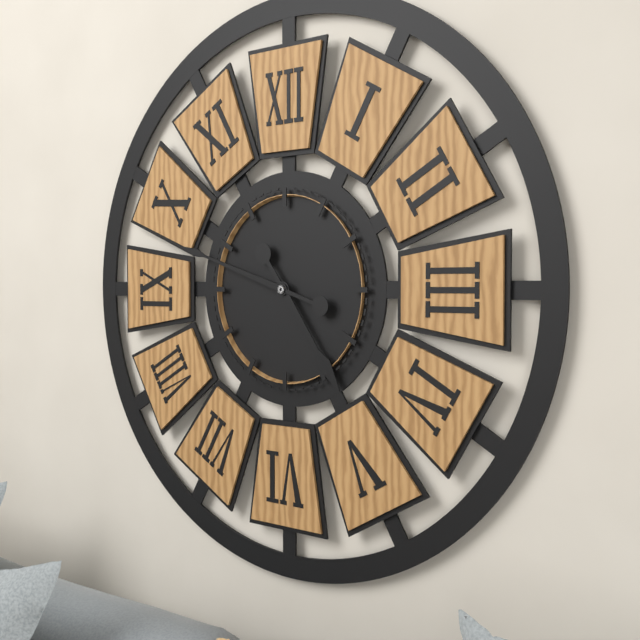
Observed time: 4:48
